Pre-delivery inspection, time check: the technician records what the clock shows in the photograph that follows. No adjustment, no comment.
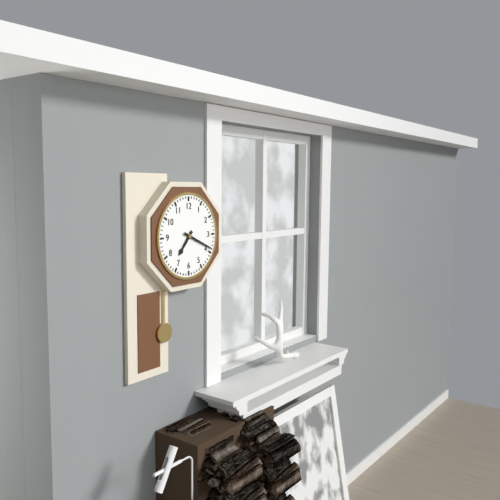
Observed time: 7:19
